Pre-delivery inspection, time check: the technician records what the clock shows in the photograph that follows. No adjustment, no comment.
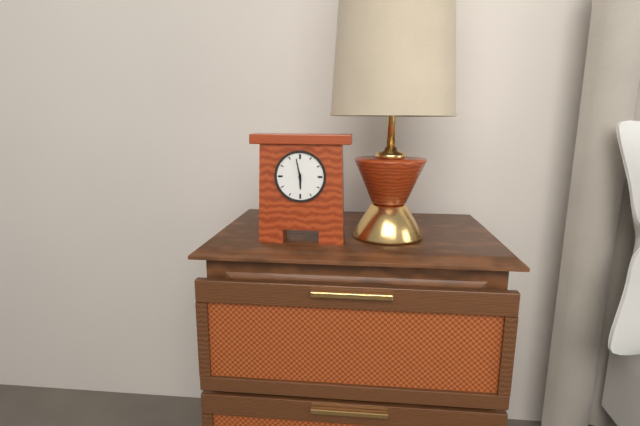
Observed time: 5:58
